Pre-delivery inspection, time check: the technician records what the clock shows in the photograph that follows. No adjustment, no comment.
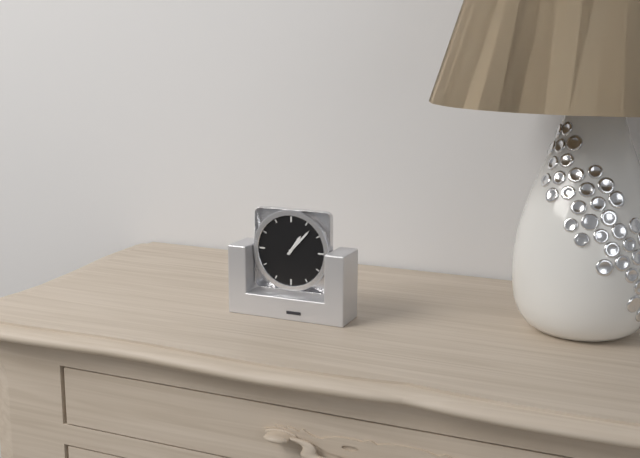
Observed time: 1:07
